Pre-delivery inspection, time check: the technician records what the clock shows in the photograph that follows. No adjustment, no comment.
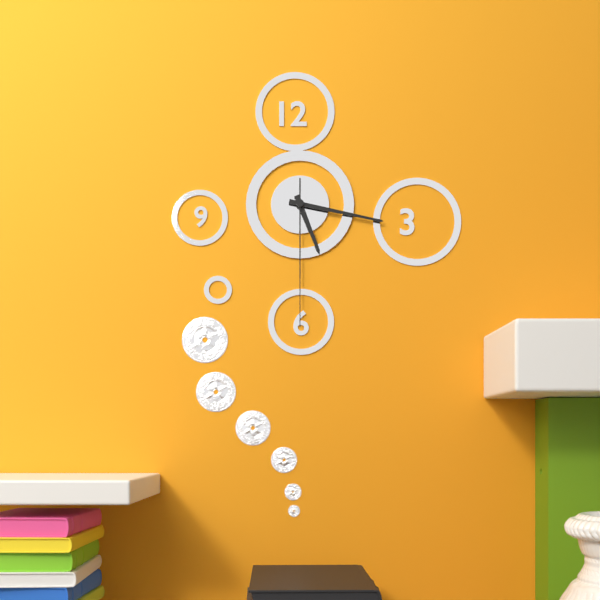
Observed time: 5:17:30
